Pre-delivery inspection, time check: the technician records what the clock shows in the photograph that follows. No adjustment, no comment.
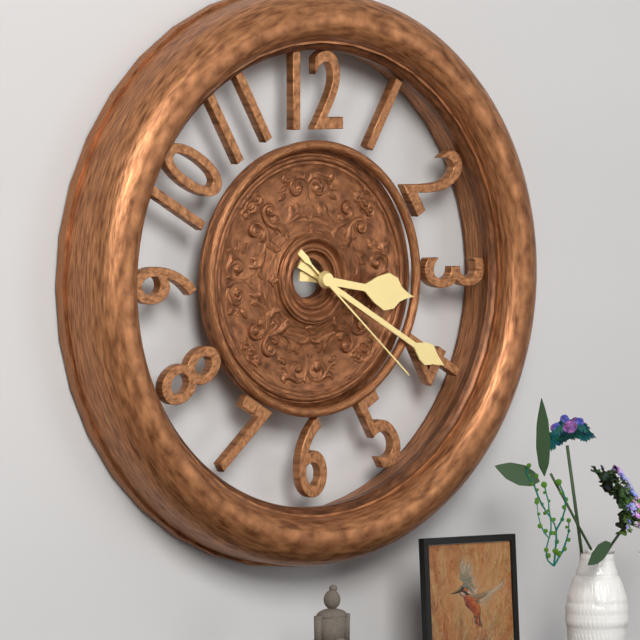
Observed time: 3:20:22
